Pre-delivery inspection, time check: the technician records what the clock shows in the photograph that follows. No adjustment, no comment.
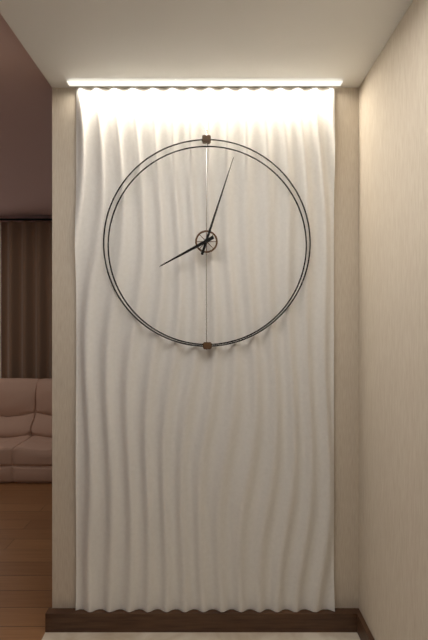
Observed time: 8:03
